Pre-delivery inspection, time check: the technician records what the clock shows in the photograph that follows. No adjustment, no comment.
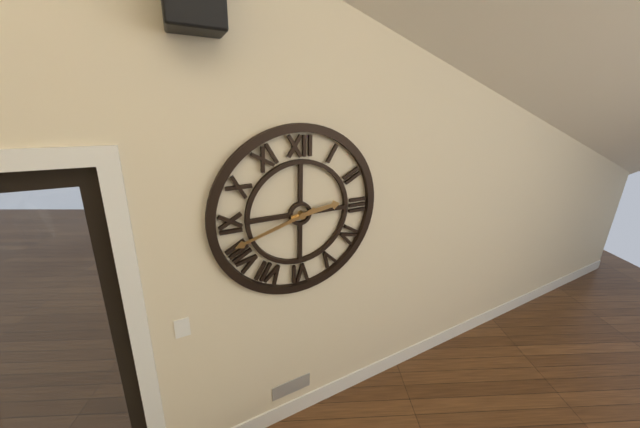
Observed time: 2:42
